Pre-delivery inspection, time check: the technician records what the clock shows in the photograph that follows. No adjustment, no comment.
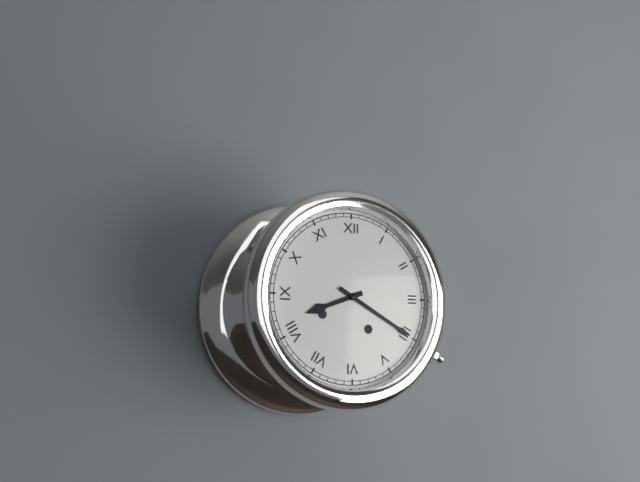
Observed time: 8:20
